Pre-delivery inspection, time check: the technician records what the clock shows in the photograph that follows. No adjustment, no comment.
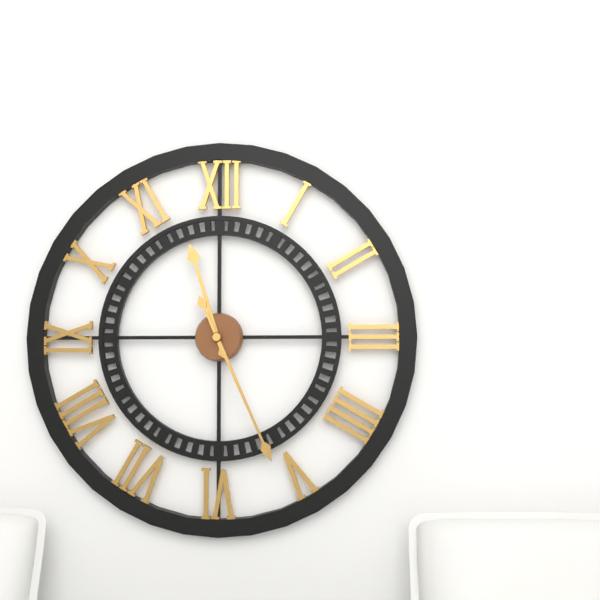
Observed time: 11:26
